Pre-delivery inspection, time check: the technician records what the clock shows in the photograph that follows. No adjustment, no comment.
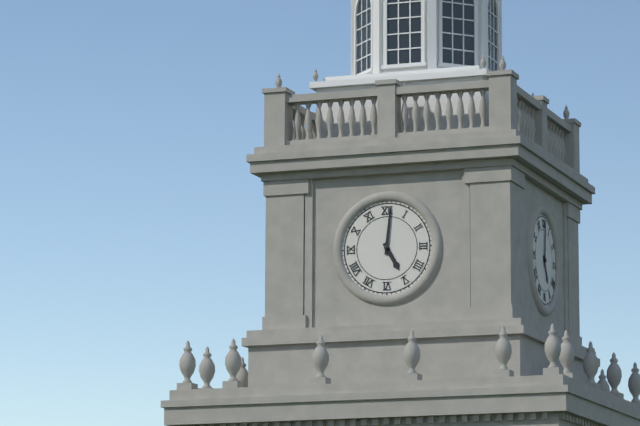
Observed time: 5:01
